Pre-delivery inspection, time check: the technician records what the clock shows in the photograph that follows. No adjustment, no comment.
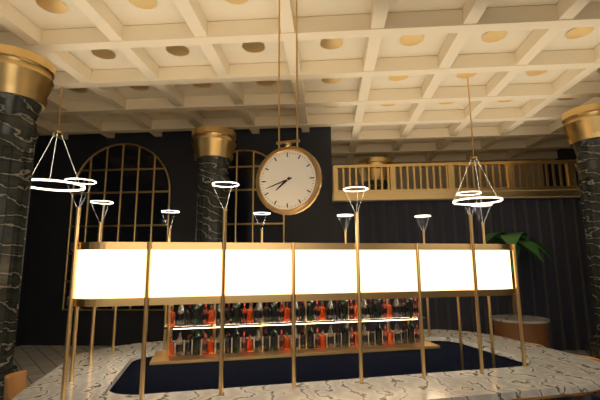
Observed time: 7:42
